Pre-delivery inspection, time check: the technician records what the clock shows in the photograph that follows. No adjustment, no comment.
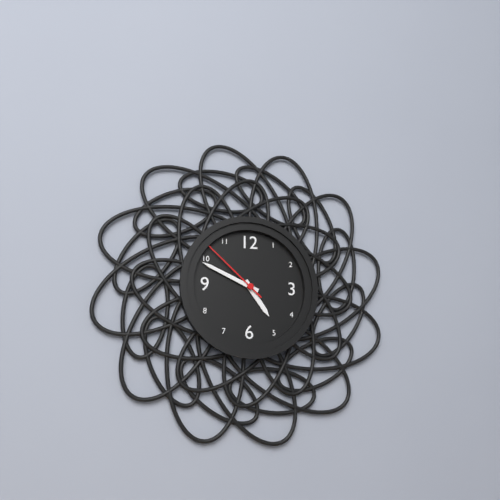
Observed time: 4:49:52
